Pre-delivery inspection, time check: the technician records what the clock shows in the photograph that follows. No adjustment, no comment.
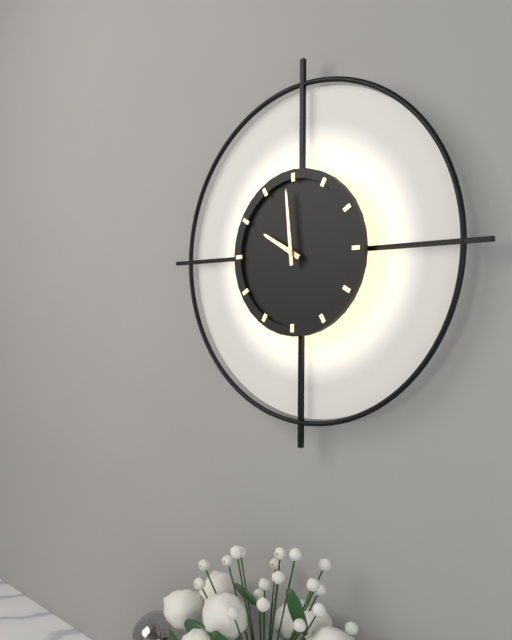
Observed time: 9:59
